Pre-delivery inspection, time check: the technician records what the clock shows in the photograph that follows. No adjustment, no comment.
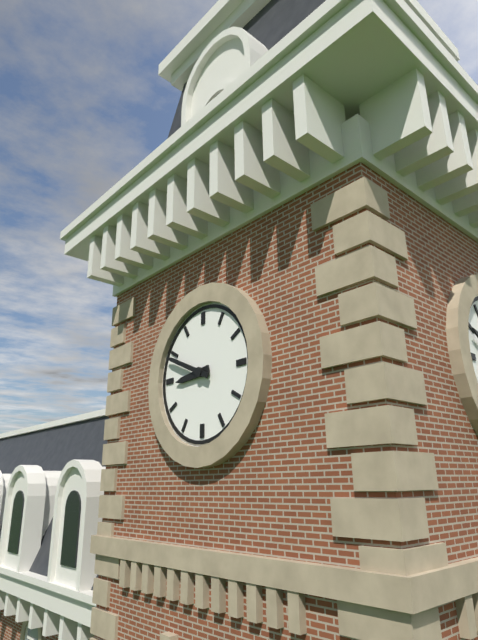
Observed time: 8:49
